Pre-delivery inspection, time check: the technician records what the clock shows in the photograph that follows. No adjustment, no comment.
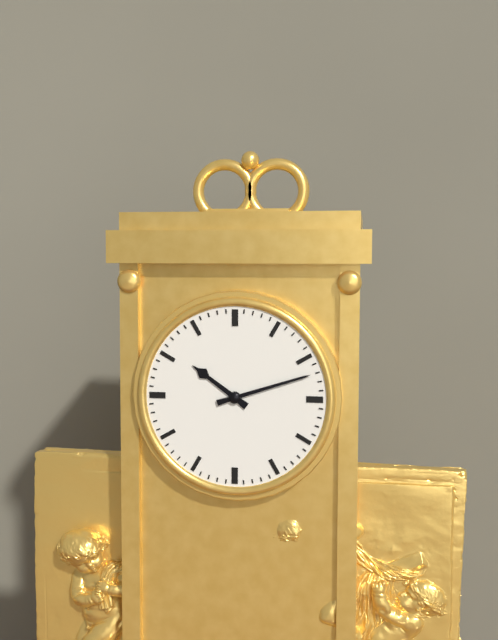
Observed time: 10:12
